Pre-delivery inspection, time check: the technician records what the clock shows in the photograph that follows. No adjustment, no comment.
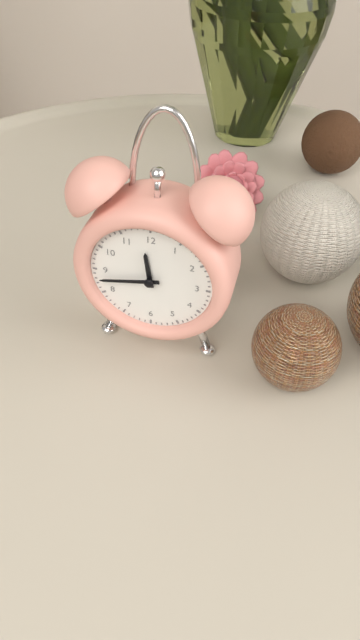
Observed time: 11:43
